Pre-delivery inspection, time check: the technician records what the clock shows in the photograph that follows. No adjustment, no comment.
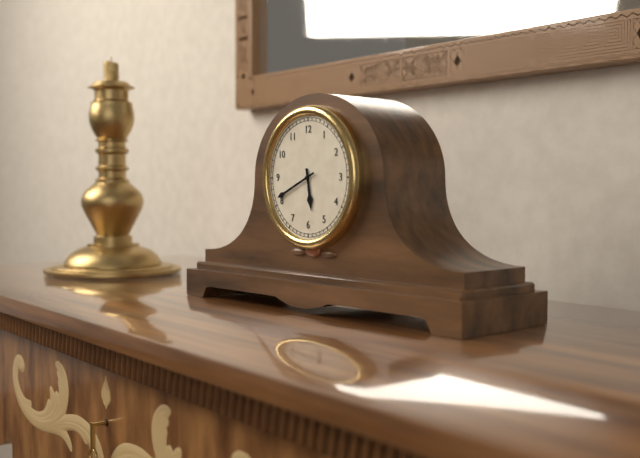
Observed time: 5:41
